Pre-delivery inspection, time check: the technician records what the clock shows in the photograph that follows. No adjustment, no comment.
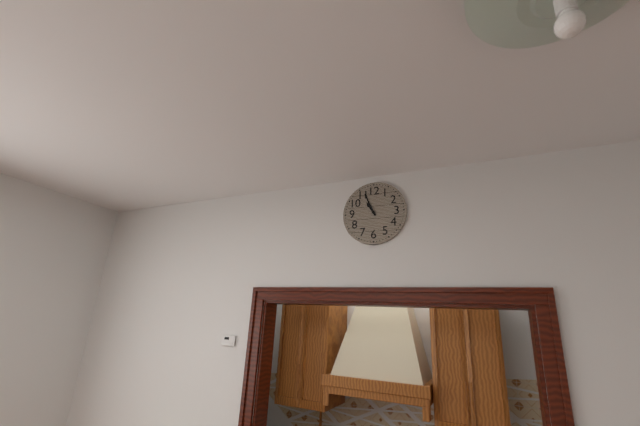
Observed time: 10:56
